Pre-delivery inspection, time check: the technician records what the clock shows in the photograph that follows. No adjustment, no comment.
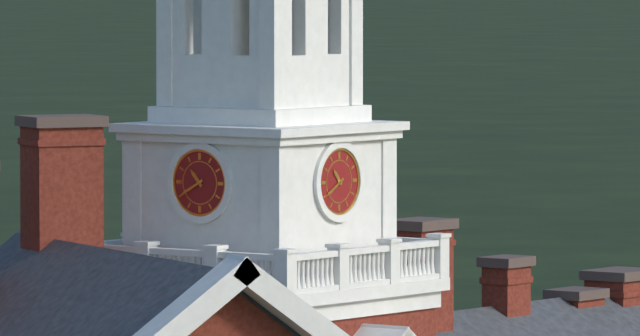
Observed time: 10:40
